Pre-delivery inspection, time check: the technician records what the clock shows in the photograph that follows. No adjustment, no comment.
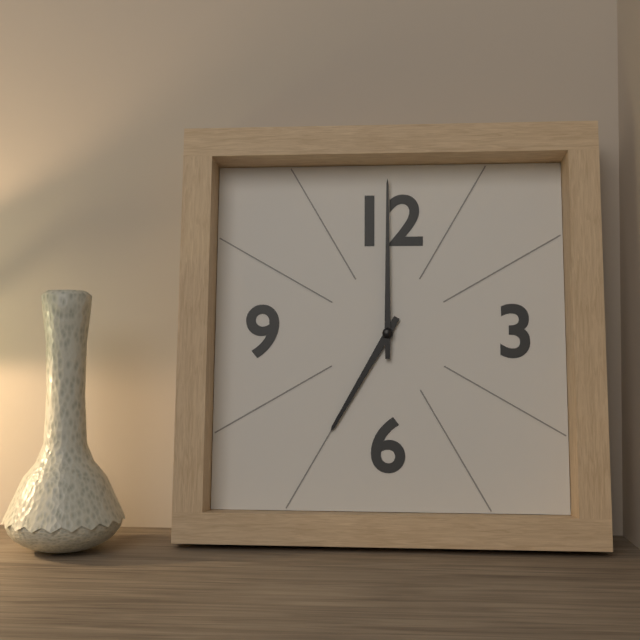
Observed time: 7:00
